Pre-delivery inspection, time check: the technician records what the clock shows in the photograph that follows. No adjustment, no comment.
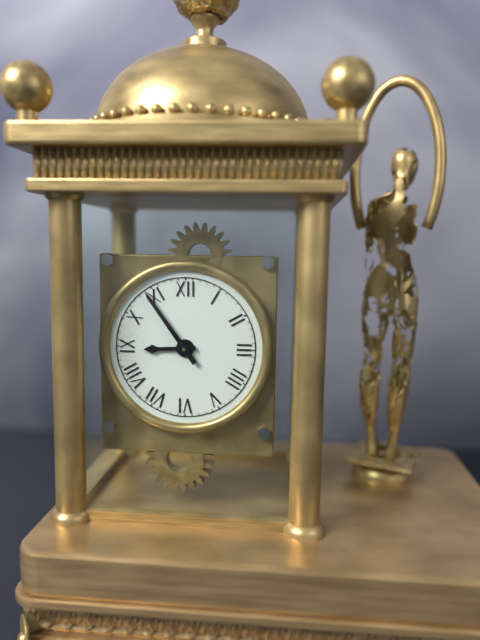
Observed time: 8:54
